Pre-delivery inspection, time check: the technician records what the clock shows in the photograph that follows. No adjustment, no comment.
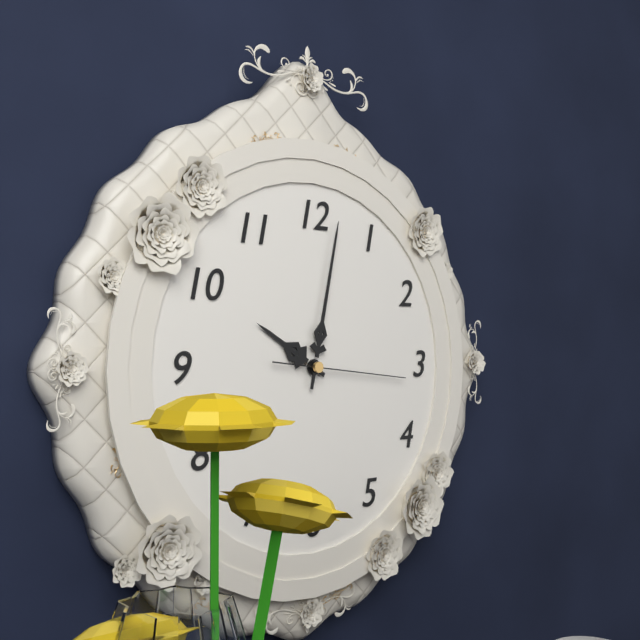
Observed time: 10:02:16
